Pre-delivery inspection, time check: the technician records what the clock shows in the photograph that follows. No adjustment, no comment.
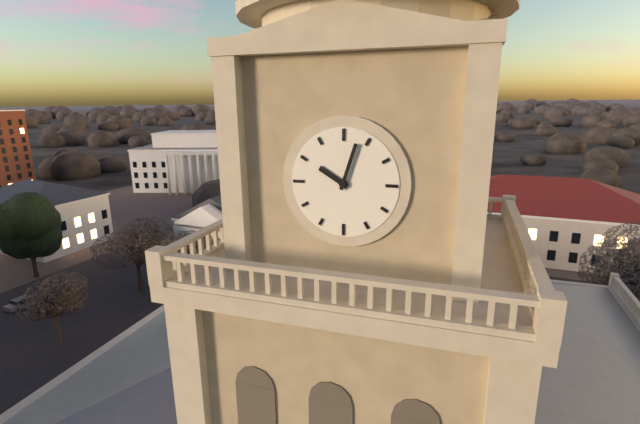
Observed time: 10:03
